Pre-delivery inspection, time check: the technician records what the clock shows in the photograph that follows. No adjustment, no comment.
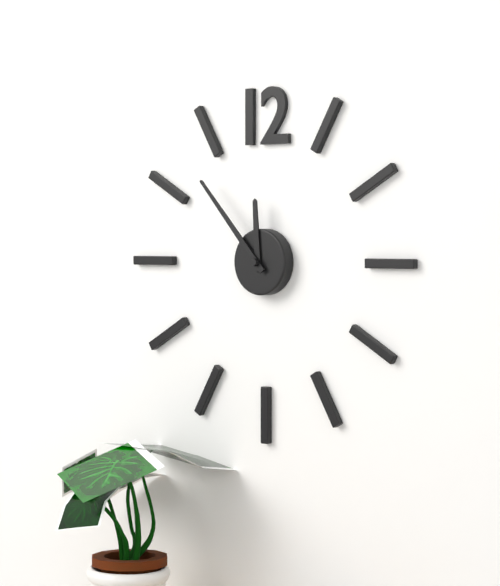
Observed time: 11:53
